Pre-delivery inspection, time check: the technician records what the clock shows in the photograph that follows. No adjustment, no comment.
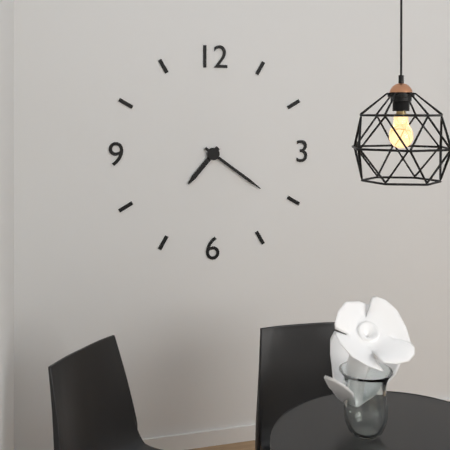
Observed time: 7:21
